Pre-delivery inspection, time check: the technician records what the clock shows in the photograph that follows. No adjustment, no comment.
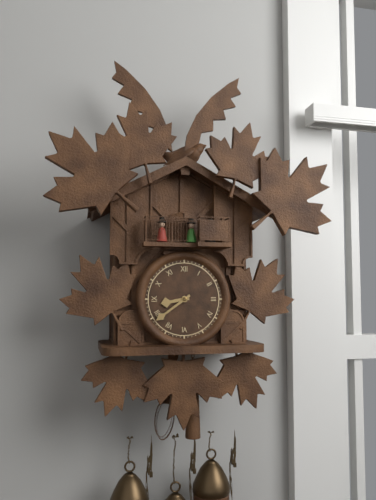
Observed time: 8:39
